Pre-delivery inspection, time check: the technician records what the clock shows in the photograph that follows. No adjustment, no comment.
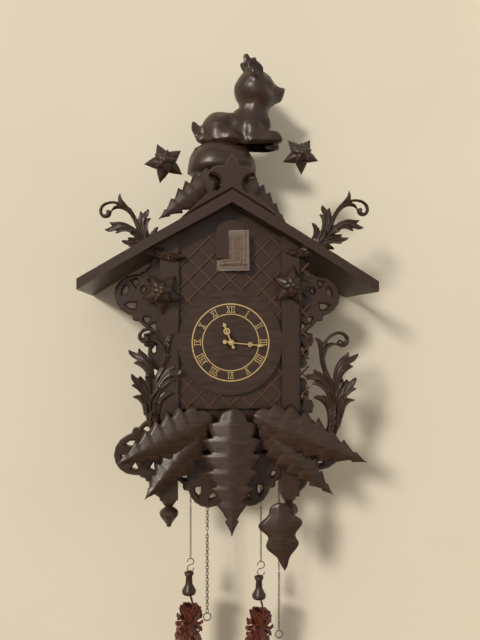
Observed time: 11:16
